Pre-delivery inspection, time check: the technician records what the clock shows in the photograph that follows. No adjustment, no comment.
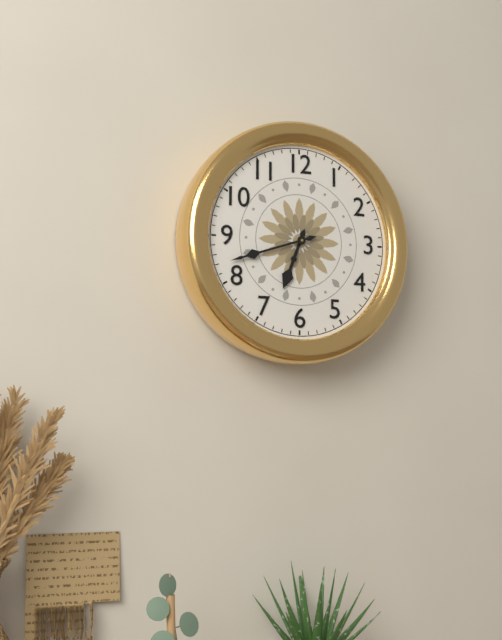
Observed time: 6:42
